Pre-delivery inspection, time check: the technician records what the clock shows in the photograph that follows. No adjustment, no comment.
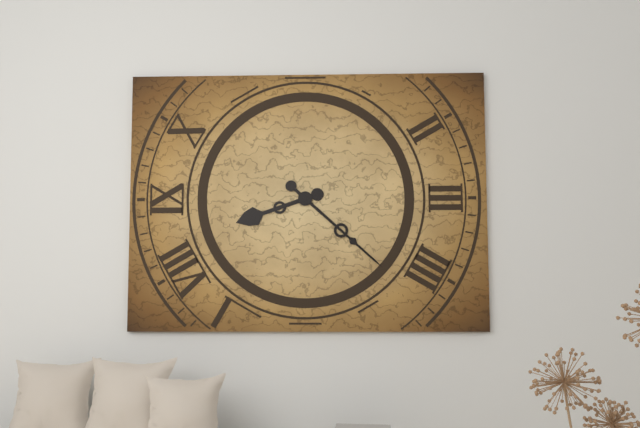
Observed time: 8:22
